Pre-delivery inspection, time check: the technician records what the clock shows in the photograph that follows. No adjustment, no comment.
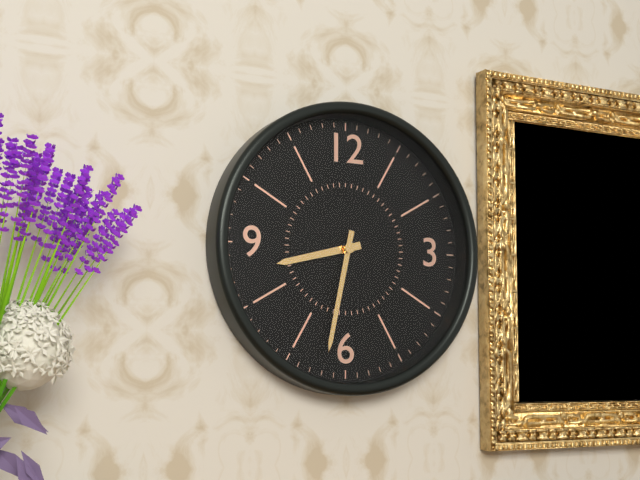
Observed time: 8:32
